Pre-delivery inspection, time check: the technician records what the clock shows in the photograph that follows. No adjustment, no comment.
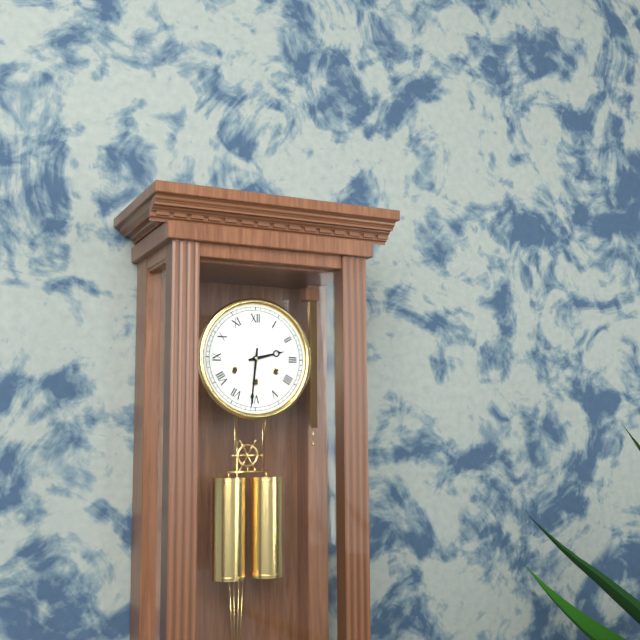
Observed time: 2:31
